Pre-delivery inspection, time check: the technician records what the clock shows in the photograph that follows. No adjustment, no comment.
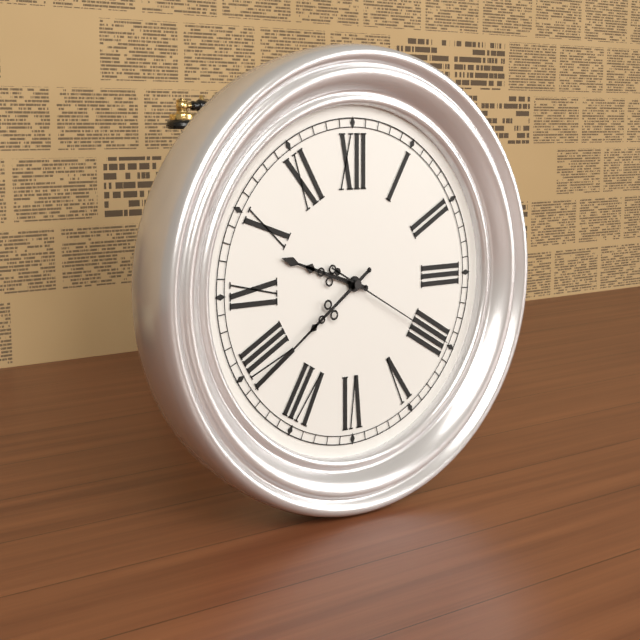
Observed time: 9:39:20
